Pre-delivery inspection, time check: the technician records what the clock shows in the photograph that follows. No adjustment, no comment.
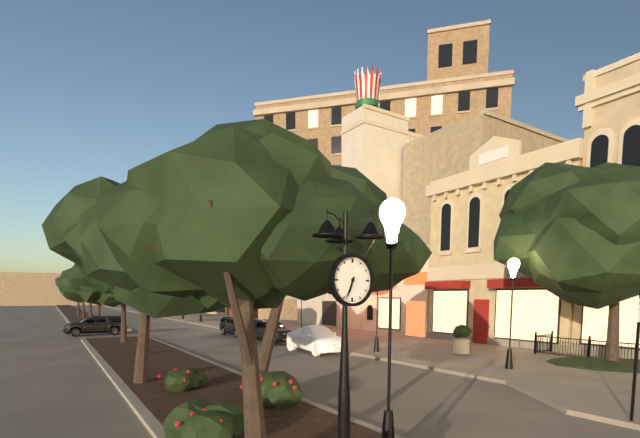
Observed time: 6:34
